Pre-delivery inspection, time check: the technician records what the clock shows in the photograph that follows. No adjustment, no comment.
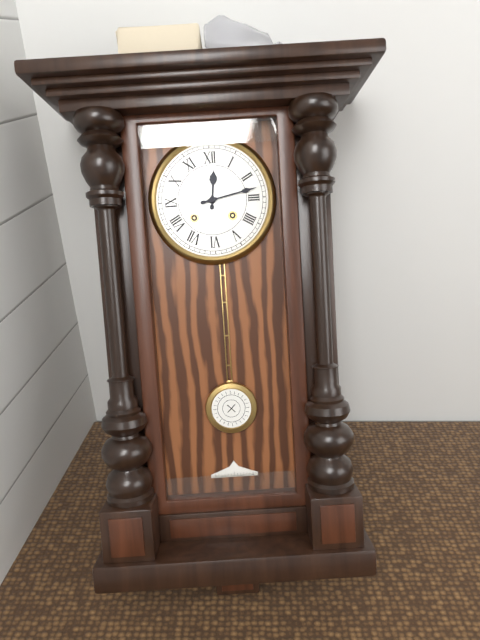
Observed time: 12:13
